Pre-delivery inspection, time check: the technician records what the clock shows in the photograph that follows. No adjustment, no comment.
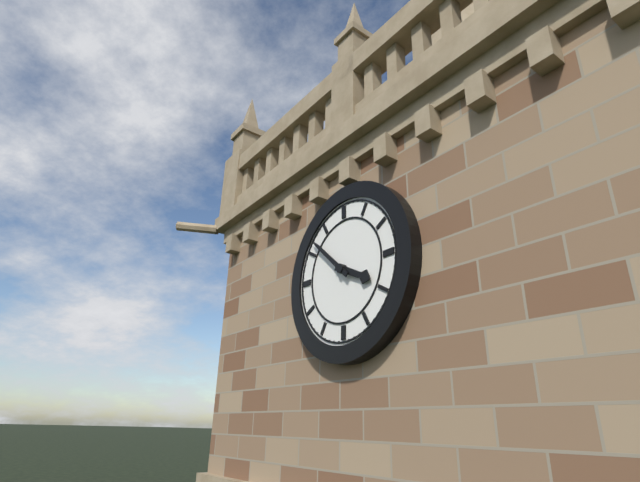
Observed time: 3:52
